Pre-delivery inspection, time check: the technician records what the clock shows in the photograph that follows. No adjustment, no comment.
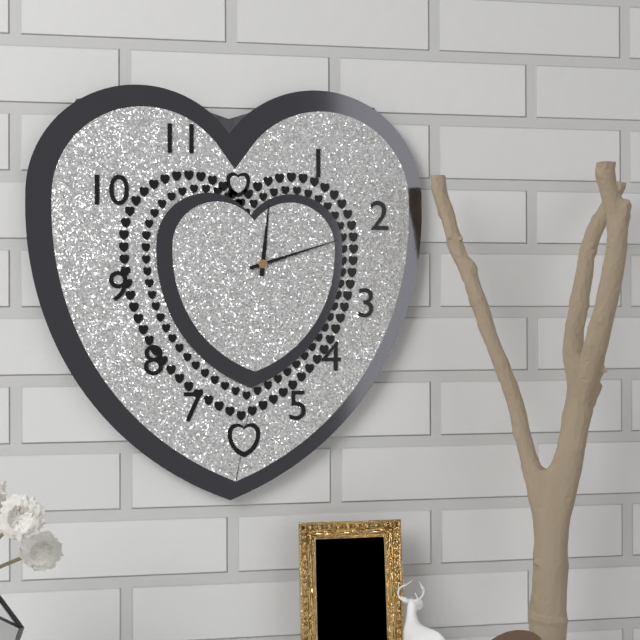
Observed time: 12:12
